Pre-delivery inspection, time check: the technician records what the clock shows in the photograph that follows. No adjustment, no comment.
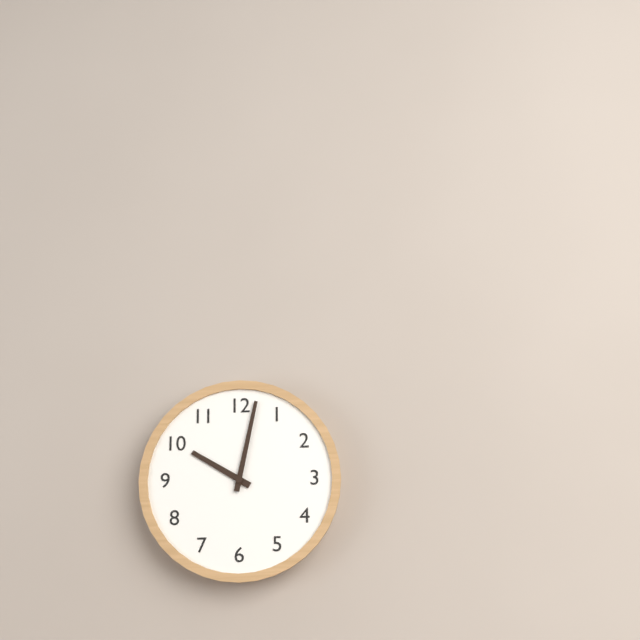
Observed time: 10:02
